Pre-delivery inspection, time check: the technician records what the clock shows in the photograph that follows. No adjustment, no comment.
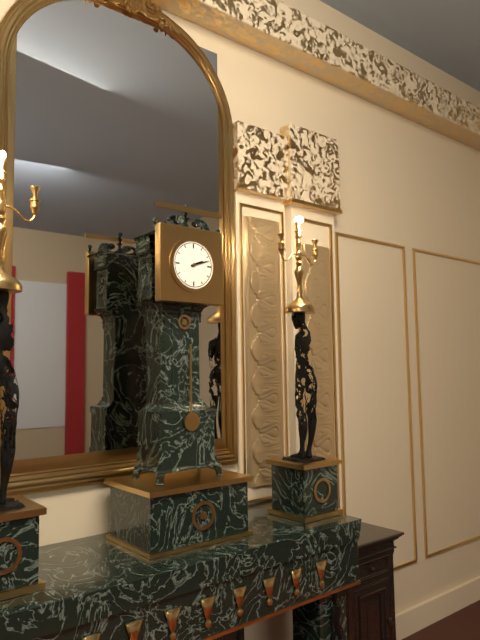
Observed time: 2:12
